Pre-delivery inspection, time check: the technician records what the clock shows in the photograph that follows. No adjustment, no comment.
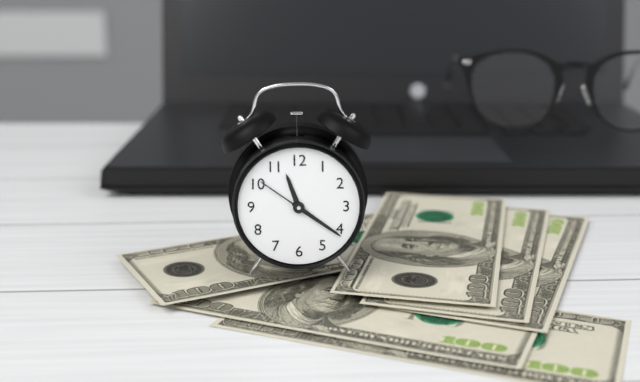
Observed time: 11:21:51
